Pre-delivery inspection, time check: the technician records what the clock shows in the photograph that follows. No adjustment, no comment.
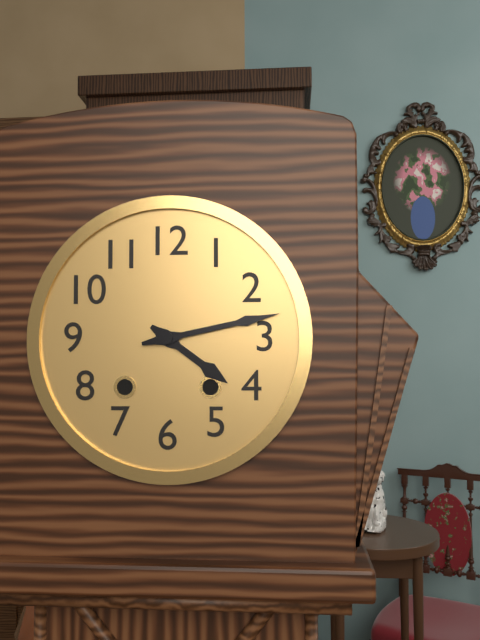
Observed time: 4:13
